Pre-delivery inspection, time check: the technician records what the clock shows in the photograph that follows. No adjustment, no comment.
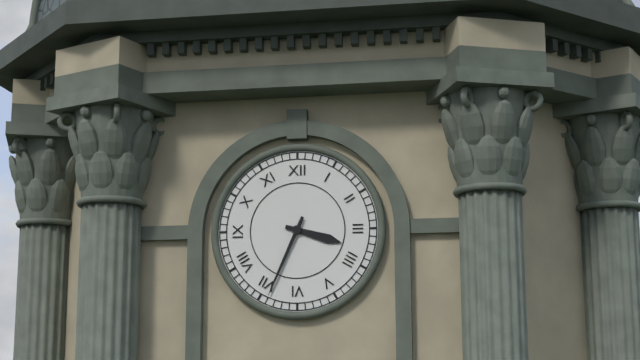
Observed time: 3:34
